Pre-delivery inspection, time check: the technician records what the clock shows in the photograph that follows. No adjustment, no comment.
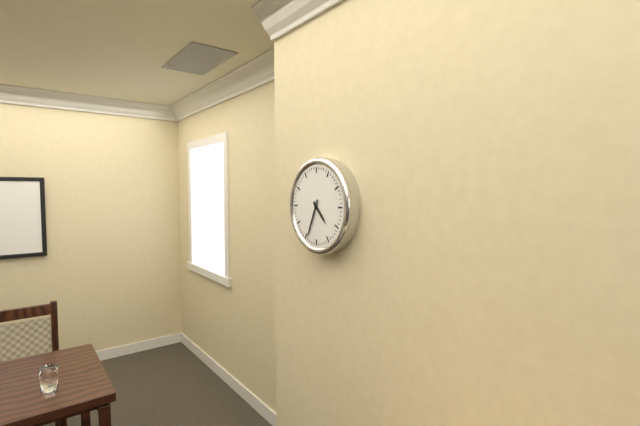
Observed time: 4:34
